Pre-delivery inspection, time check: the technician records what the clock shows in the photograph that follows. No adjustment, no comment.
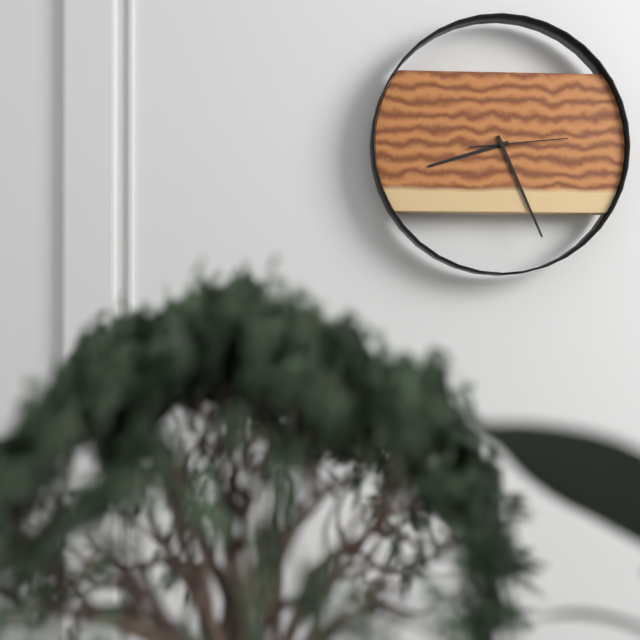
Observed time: 8:26:14
